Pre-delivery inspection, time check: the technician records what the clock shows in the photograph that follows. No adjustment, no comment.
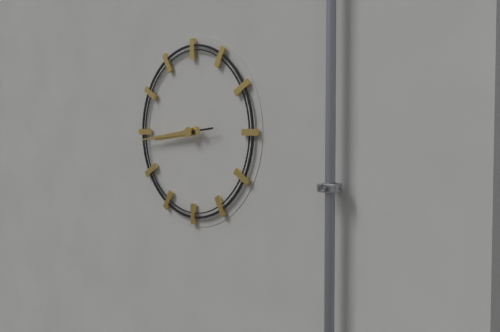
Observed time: 8:44
